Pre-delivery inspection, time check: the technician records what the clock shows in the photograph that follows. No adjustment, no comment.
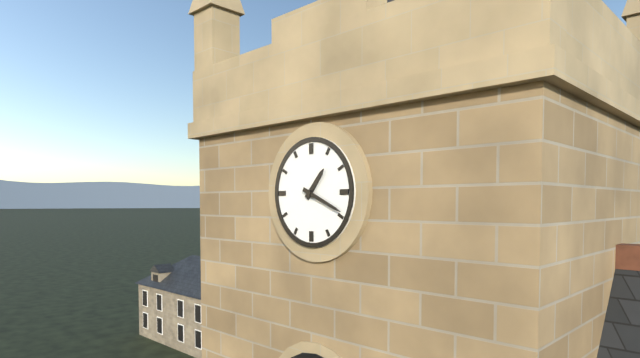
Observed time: 1:19
